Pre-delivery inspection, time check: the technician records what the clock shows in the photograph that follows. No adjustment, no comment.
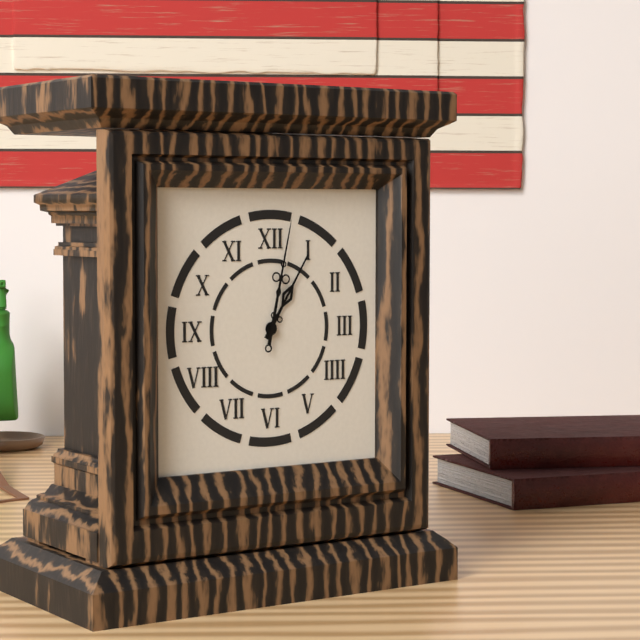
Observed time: 1:02
